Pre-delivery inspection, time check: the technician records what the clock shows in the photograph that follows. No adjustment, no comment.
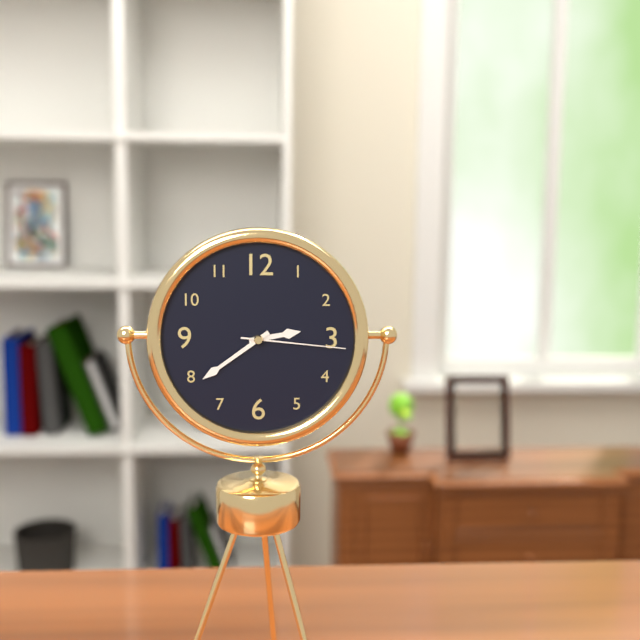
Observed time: 2:39:16
